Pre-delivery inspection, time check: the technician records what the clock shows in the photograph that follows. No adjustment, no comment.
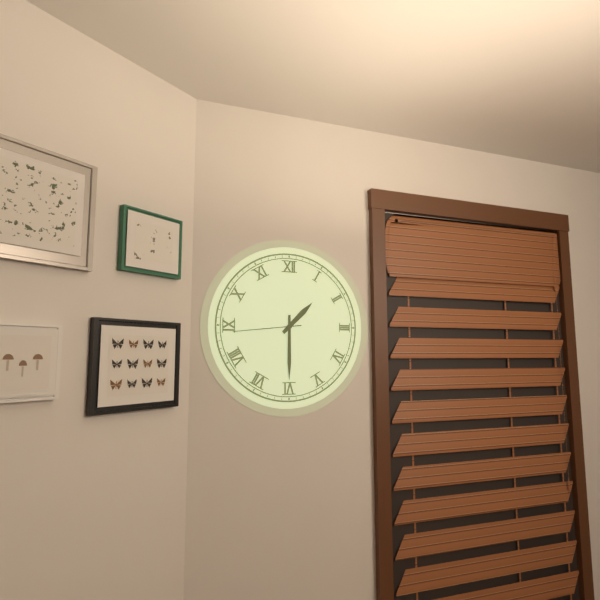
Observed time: 1:30:44
